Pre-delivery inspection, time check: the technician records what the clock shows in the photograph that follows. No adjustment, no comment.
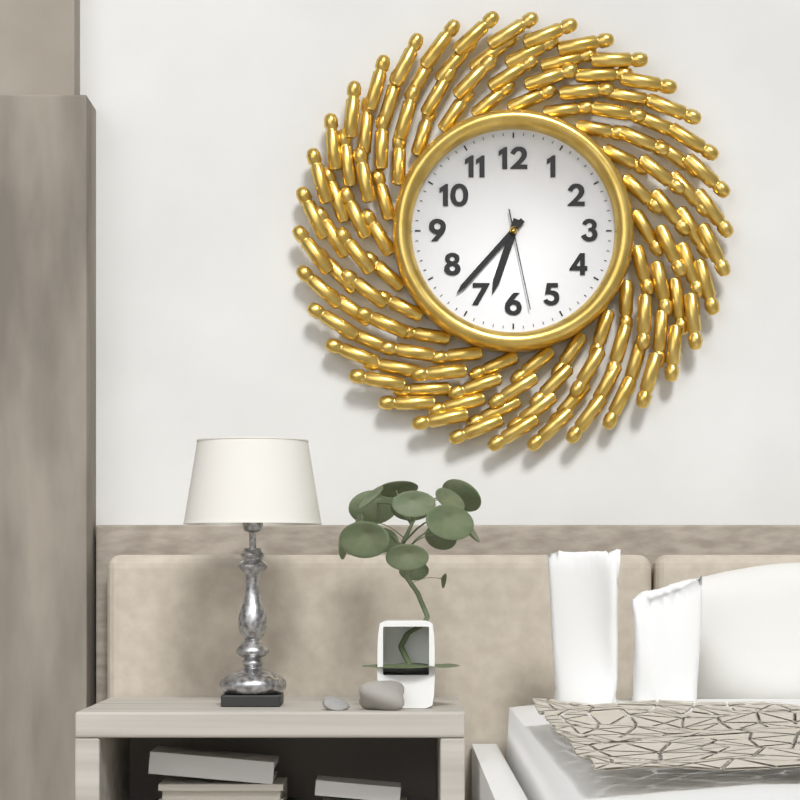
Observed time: 6:37:28
